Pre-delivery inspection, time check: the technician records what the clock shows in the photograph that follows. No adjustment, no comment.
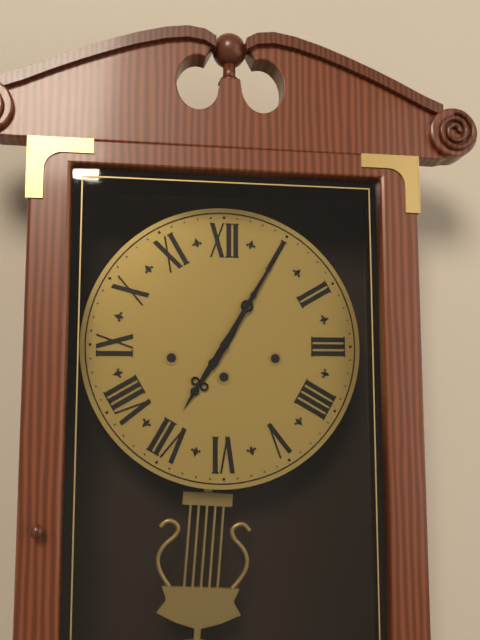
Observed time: 7:05
